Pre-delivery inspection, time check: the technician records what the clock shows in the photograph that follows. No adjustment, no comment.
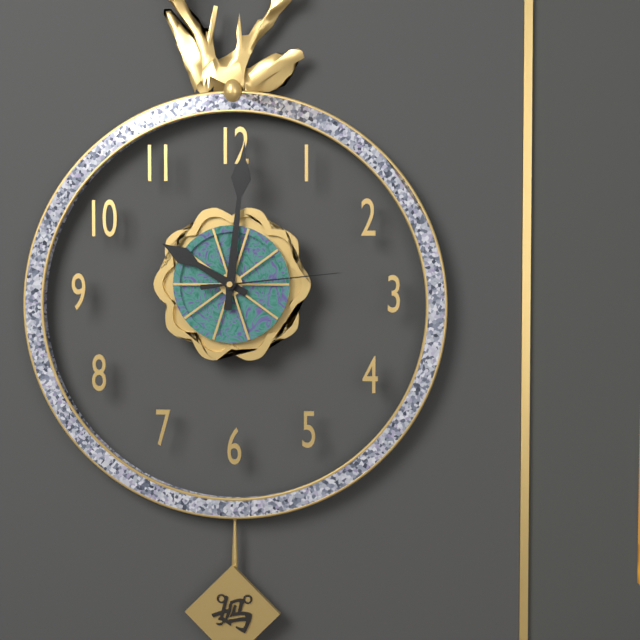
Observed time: 10:01:14
